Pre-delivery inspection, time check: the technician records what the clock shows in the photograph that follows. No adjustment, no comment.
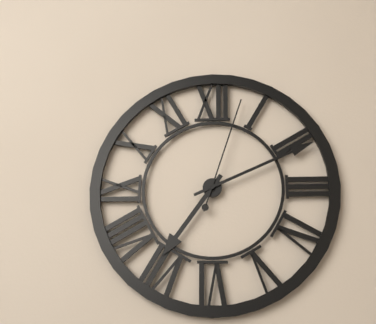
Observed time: 7:11:03
